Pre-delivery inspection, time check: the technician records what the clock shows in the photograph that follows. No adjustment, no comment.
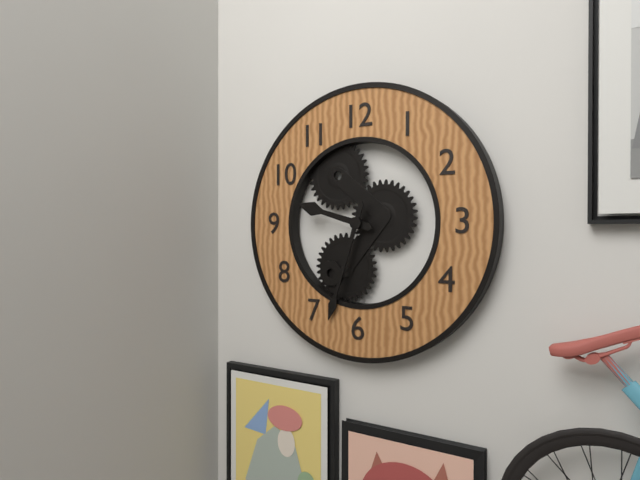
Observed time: 9:33
